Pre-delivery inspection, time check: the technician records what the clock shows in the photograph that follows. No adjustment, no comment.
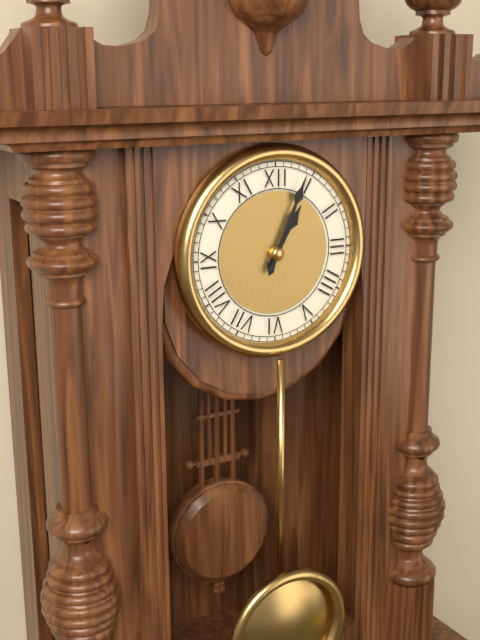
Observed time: 1:04
